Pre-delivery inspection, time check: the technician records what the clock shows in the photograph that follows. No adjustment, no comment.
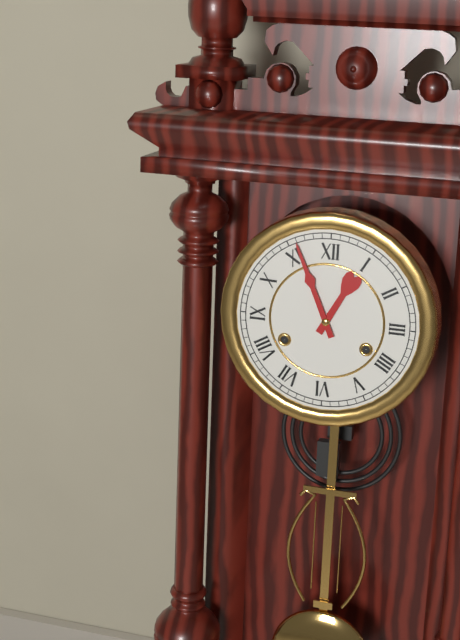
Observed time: 12:56
